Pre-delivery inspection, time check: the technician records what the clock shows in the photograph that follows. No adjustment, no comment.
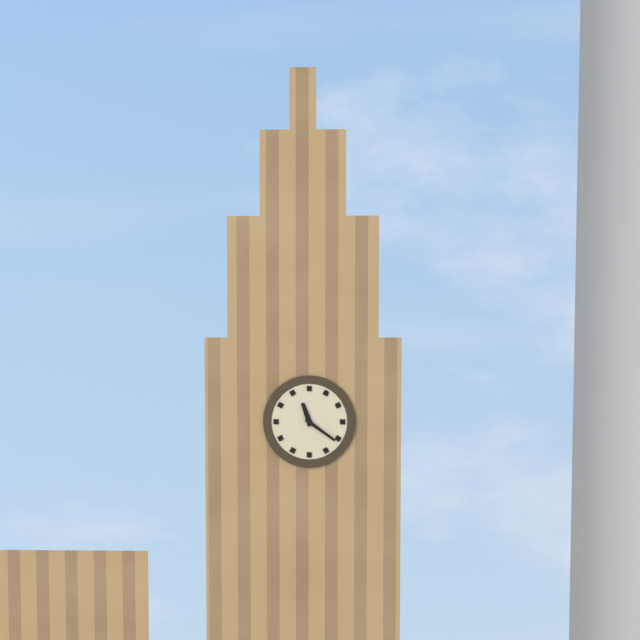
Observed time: 11:21
